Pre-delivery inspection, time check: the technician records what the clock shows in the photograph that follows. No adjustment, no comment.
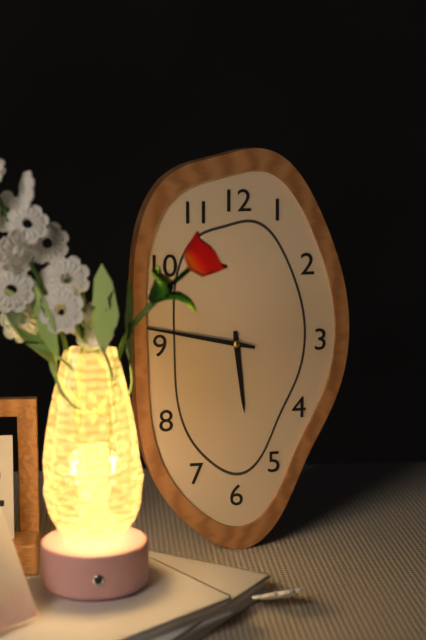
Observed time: 5:47
